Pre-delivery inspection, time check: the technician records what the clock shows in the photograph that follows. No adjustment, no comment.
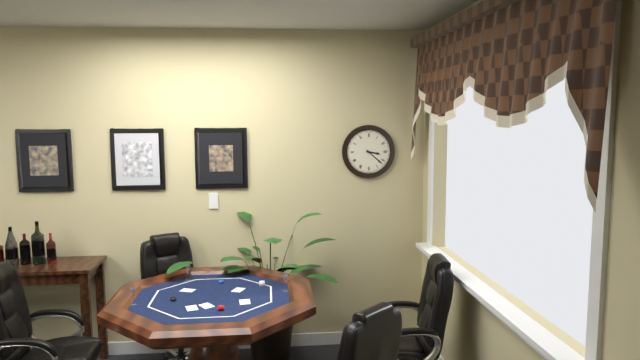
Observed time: 3:22
